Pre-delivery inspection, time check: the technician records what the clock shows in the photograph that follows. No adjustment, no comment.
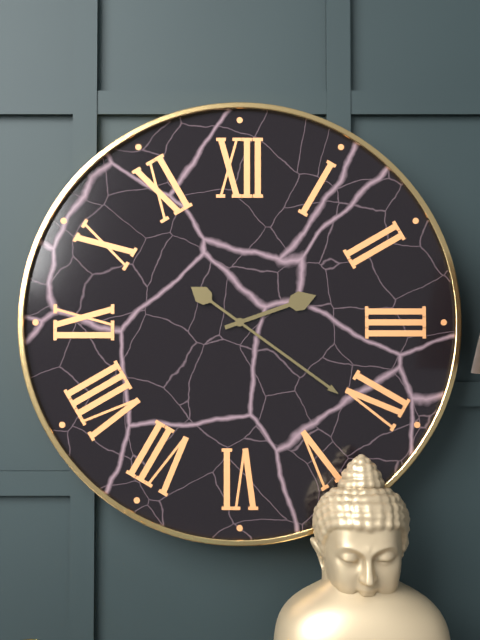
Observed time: 2:21
